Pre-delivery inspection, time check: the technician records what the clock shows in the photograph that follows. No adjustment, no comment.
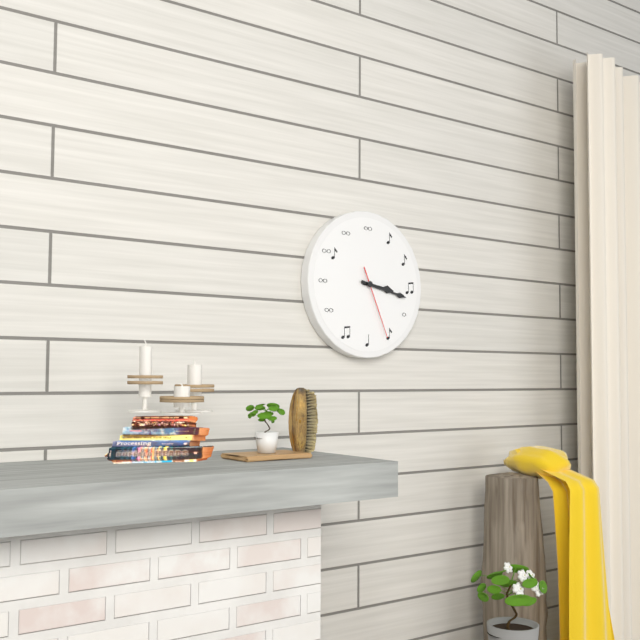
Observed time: 3:17:26
